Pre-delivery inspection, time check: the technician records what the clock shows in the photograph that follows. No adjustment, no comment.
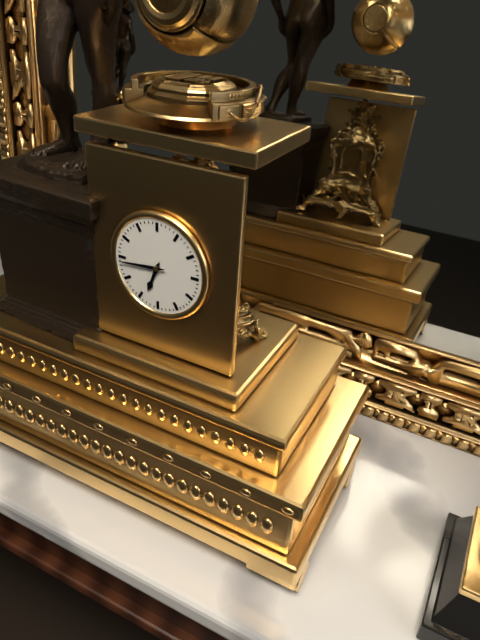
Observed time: 6:44
